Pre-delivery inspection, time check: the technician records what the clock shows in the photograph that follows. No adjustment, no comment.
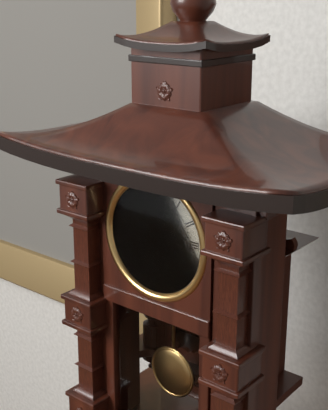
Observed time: 6:51
